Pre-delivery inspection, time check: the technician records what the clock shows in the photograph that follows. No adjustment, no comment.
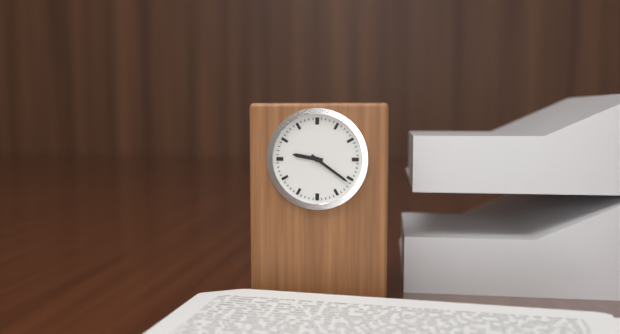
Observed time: 9:21
